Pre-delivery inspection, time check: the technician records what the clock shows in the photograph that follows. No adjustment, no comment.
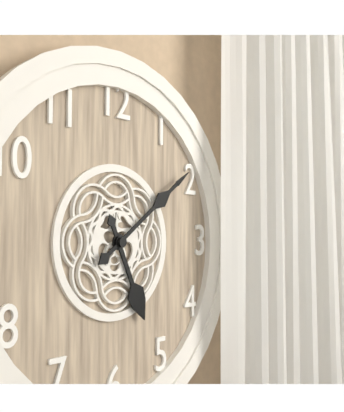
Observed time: 5:09
